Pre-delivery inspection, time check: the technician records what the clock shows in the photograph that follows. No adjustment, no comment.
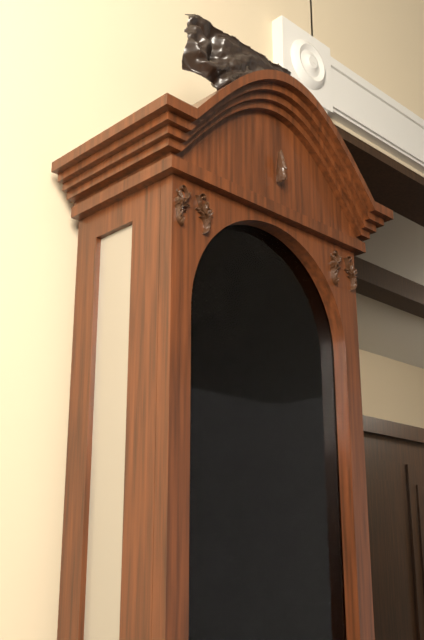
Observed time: 6:14
